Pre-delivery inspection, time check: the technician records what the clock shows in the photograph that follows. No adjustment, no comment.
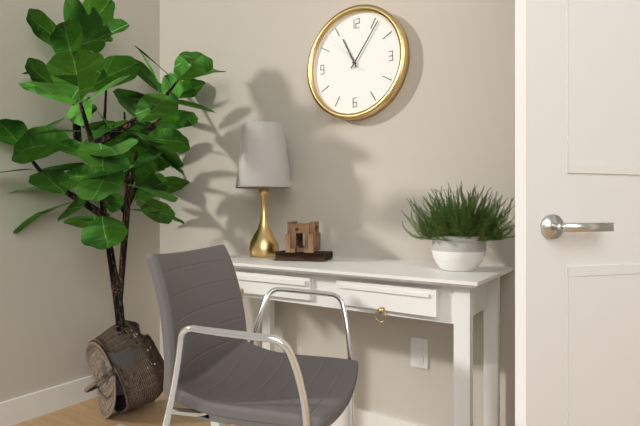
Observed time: 11:06:53
